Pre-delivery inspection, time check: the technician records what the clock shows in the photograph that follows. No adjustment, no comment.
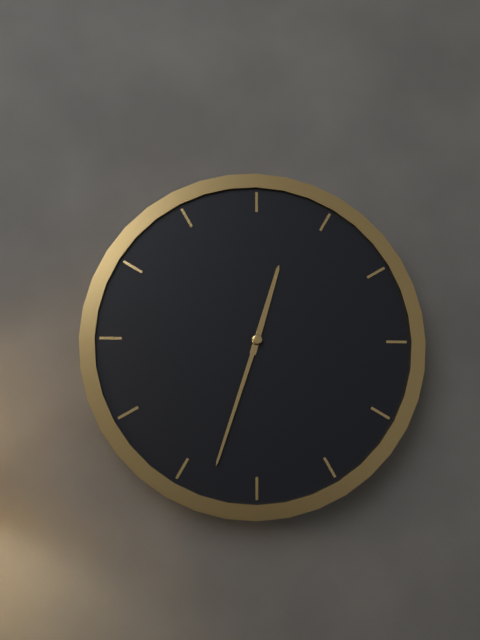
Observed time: 12:33
